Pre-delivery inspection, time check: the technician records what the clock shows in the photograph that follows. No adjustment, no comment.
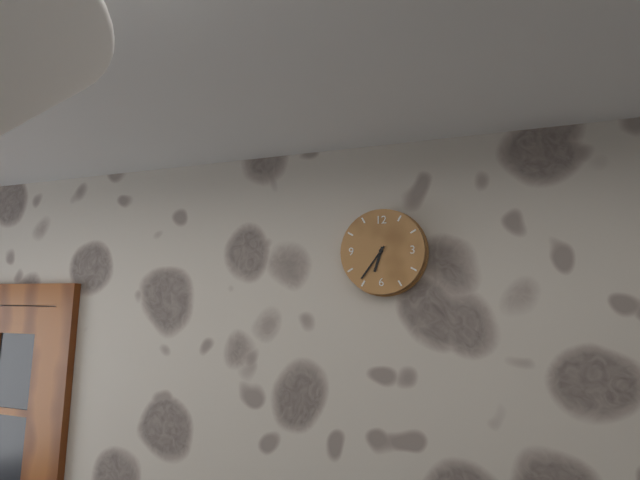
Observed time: 6:36
